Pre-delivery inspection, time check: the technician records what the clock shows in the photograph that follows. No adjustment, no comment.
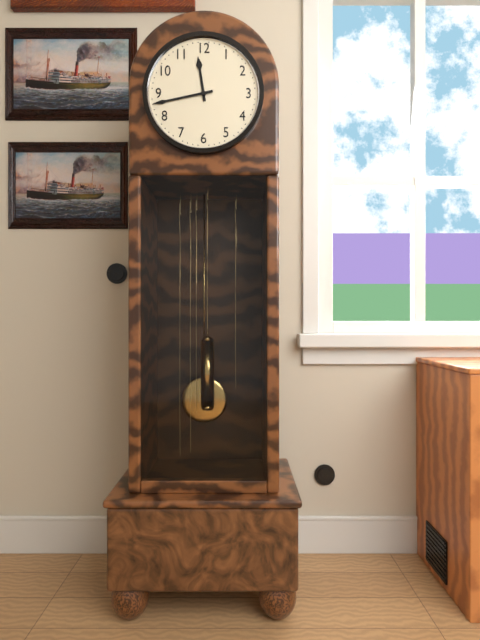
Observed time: 11:43
